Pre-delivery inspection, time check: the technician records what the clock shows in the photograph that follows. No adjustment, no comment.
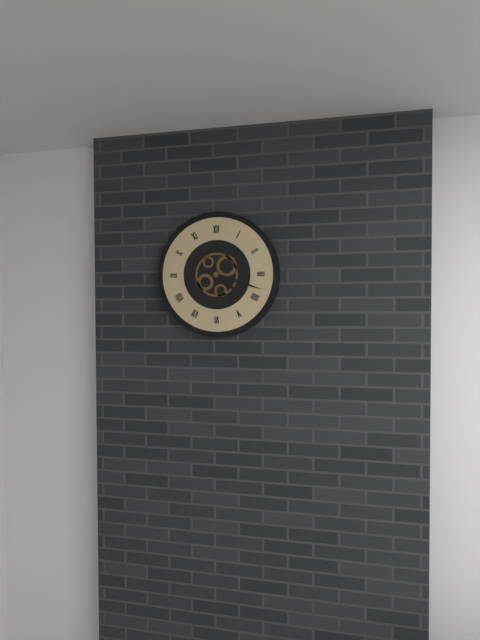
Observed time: 4:18
